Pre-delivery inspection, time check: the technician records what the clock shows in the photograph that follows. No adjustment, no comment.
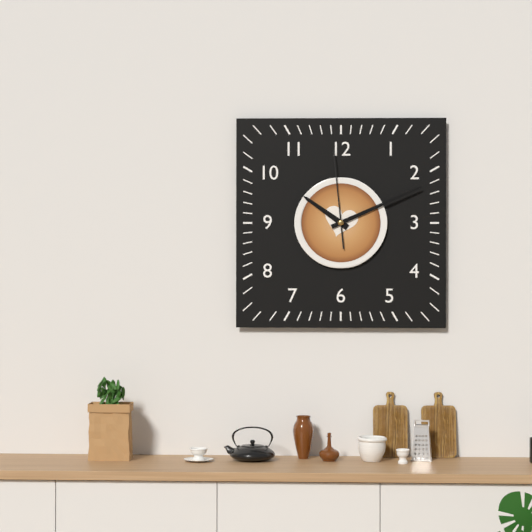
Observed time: 10:11:59
